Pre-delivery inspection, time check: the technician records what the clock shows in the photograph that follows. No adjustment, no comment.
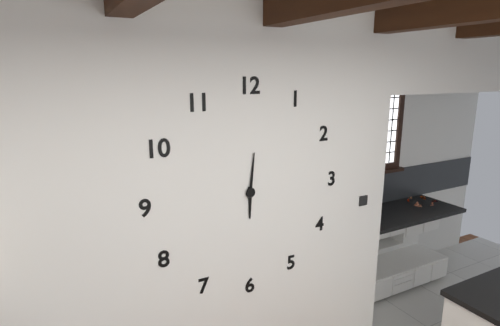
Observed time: 6:01
